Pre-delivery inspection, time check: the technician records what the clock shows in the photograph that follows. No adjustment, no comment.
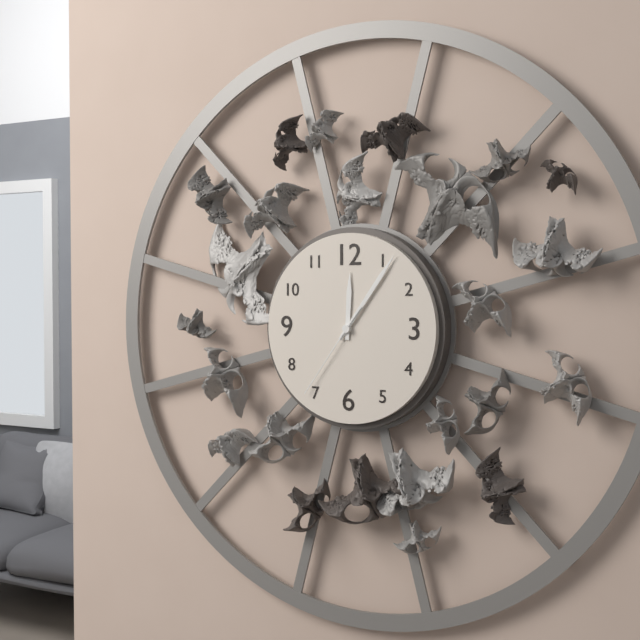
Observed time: 12:06:36
